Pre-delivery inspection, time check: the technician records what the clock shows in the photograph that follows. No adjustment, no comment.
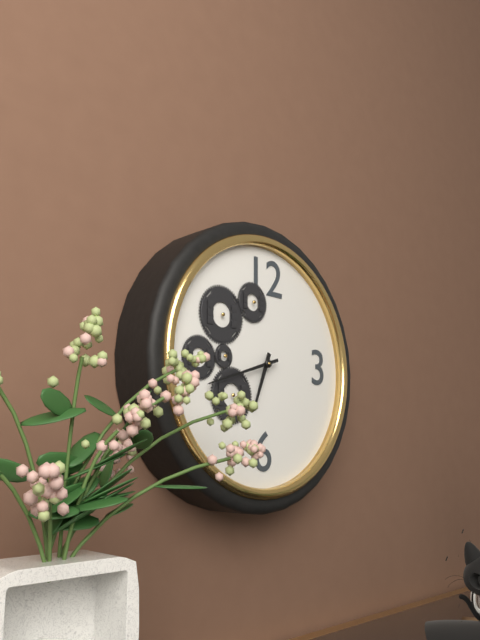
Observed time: 6:42
